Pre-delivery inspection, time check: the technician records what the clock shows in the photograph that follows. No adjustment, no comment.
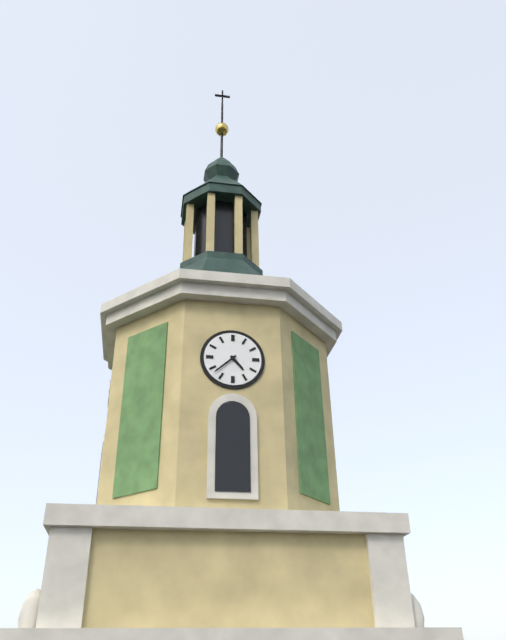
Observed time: 4:38
